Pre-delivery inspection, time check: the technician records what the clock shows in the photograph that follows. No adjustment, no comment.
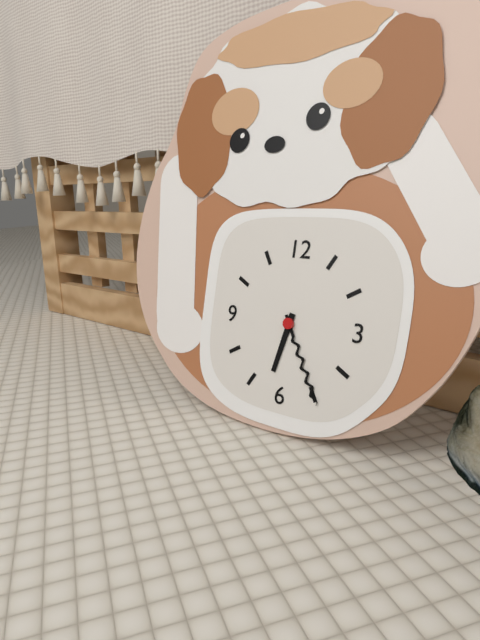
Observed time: 6:25
